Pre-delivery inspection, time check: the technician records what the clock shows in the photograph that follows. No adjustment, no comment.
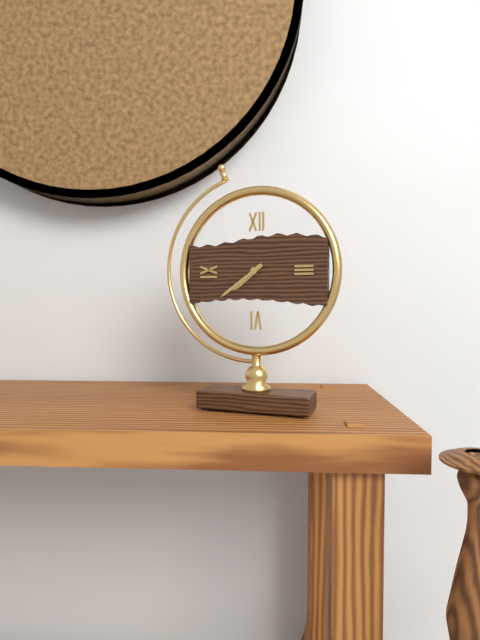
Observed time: 7:39
